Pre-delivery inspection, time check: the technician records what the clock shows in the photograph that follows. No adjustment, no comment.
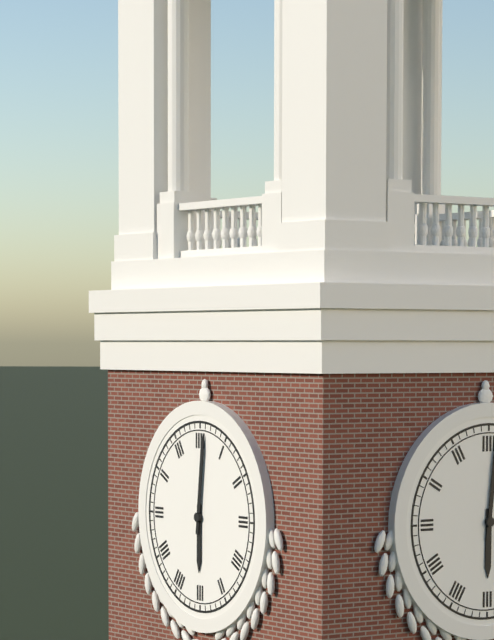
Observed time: 6:01
